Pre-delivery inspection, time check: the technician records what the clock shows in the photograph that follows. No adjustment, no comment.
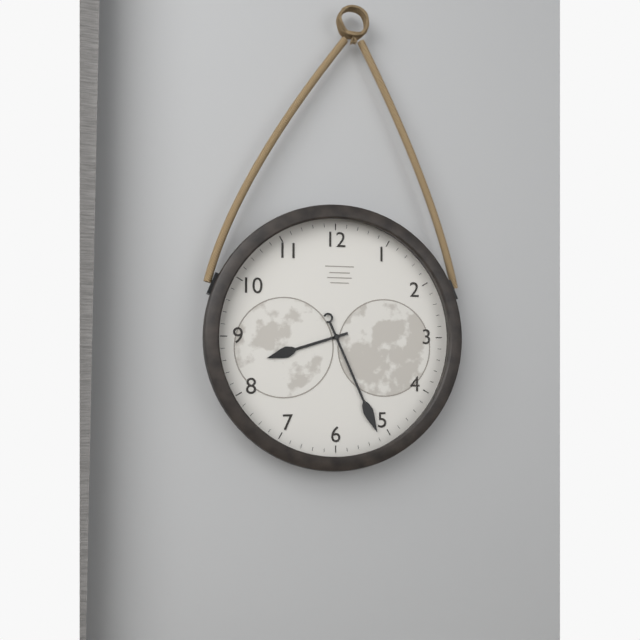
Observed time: 8:26
